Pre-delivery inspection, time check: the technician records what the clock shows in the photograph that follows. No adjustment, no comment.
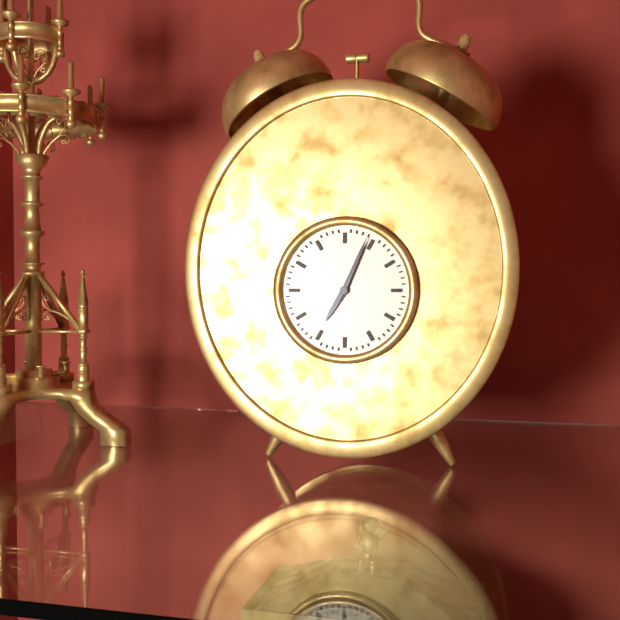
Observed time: 7:04
